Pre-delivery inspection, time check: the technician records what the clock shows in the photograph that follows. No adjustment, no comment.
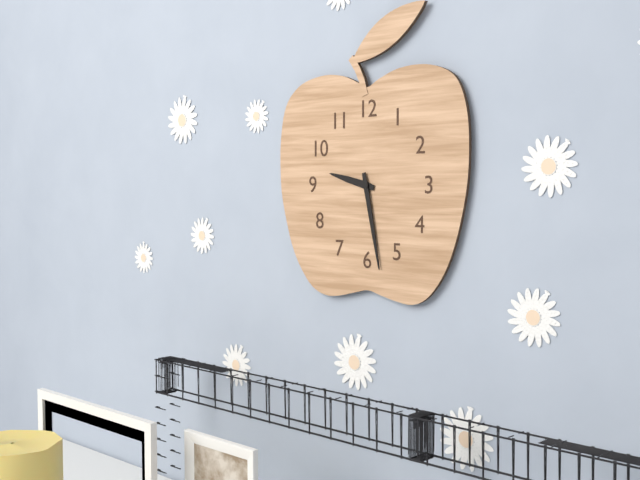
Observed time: 9:28
